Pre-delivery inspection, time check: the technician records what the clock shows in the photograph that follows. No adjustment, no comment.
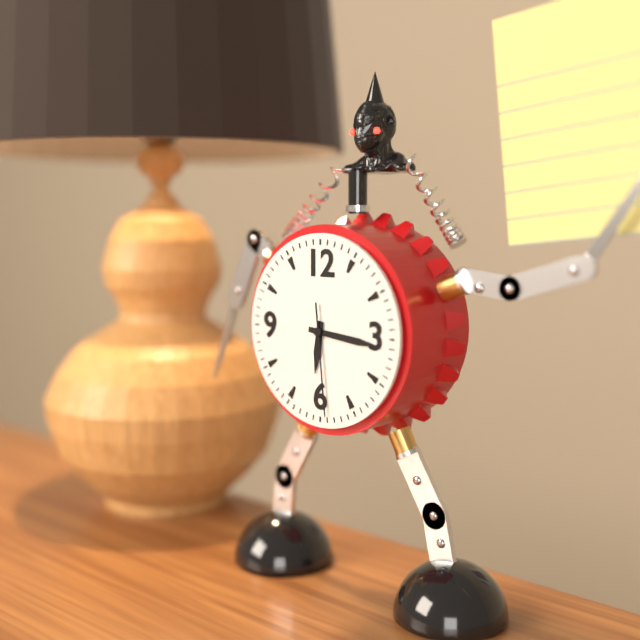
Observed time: 6:16:29
